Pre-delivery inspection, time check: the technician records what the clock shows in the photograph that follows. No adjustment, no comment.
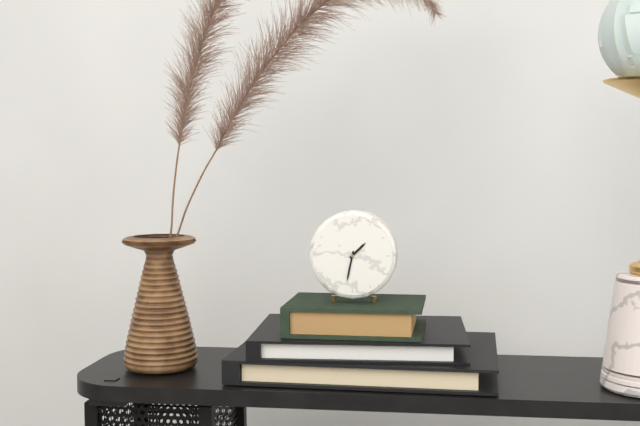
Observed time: 1:32
